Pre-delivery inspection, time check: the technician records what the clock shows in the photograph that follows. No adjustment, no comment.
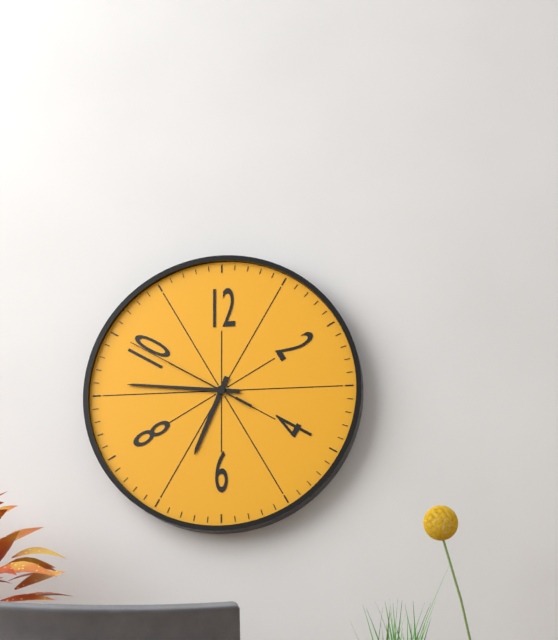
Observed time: 6:46:50
